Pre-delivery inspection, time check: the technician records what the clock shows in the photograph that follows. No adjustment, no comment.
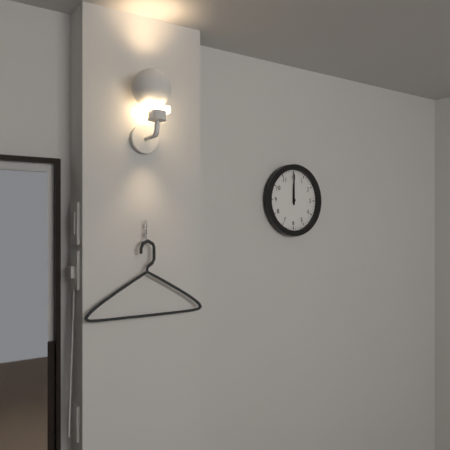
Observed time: 12:00
